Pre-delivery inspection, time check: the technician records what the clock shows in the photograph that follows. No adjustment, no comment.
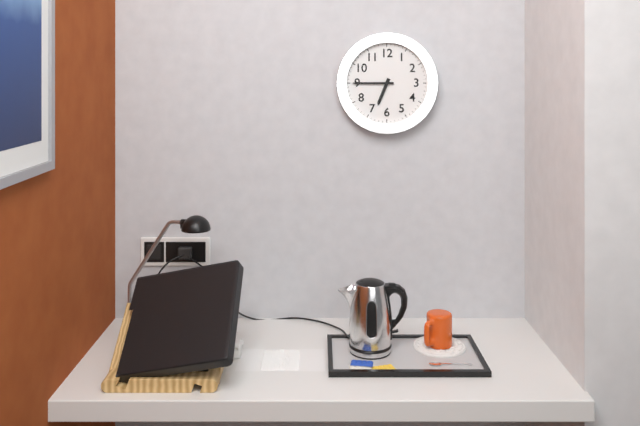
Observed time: 6:45
